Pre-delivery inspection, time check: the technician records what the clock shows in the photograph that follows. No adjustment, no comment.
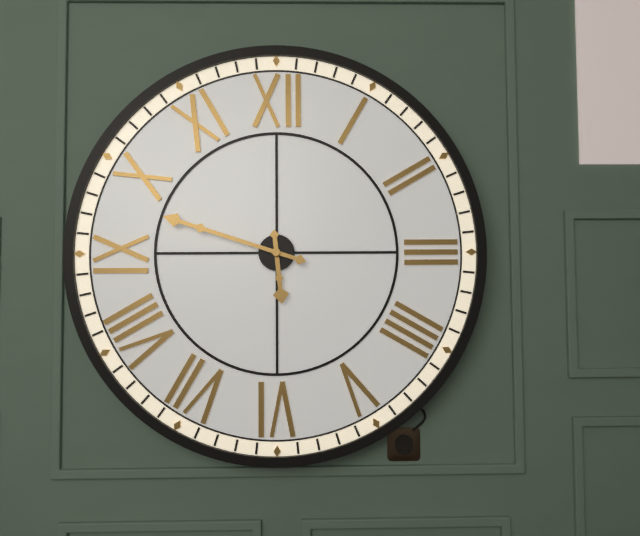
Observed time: 5:48
